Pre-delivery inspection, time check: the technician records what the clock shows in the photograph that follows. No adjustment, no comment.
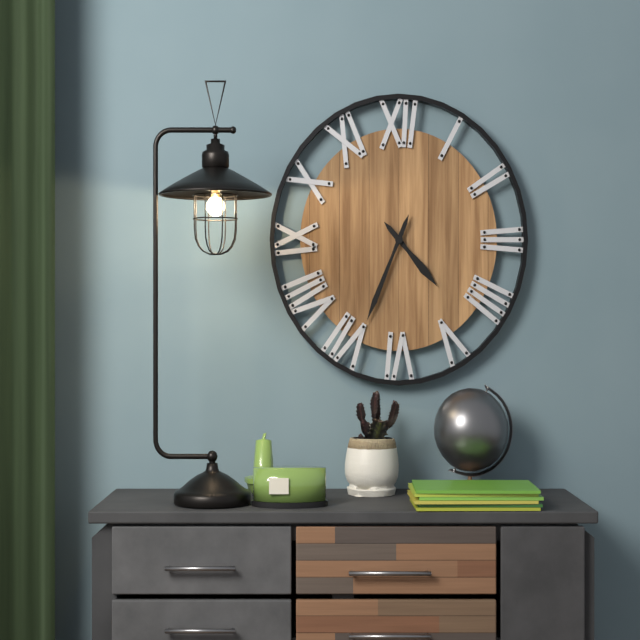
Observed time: 4:34
